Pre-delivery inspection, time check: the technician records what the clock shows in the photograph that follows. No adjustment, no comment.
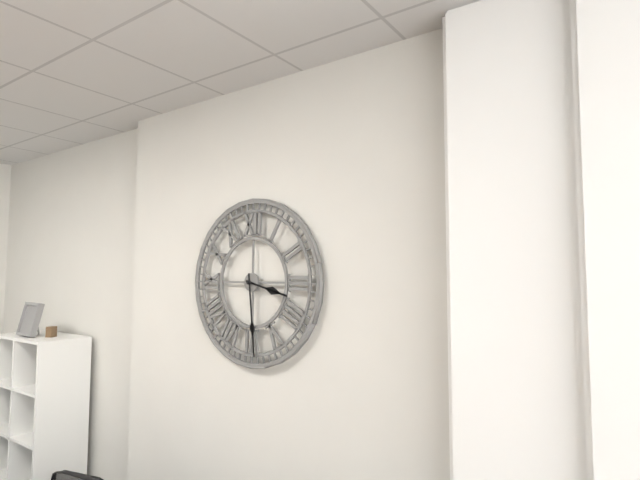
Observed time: 3:29
